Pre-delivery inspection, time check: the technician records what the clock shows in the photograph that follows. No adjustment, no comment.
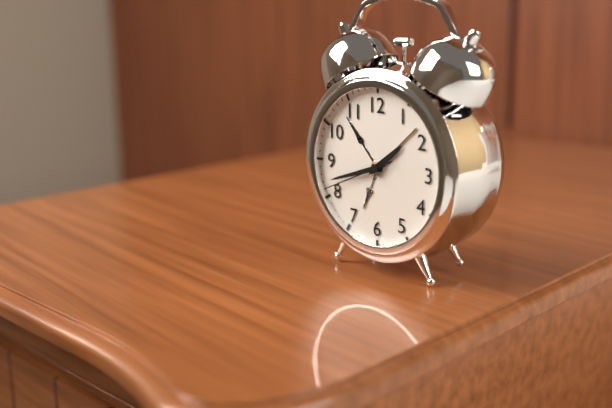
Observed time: 1:42:41
